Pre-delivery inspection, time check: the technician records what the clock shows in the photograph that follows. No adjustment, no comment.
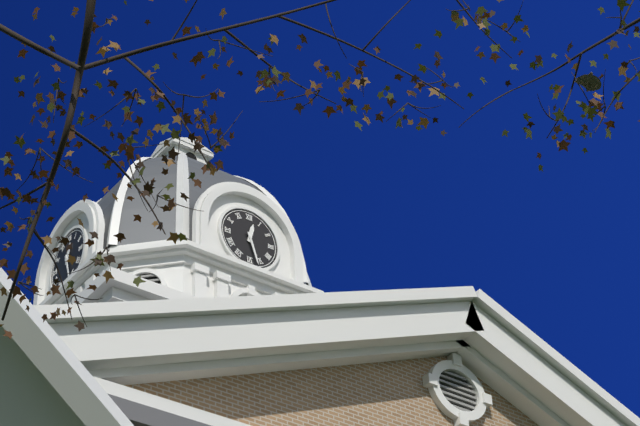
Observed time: 12:27
